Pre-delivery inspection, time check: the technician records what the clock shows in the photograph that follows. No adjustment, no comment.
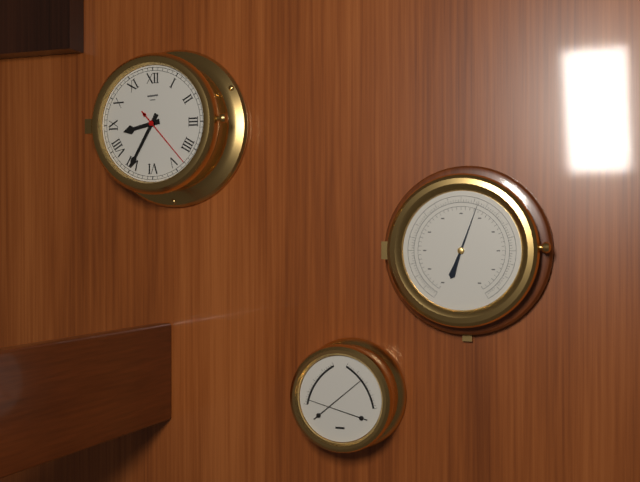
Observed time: 8:35
